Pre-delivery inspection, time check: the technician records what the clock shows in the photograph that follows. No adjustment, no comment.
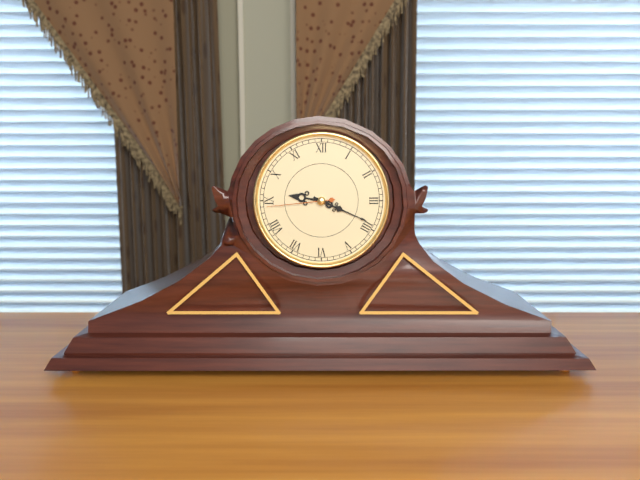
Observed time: 9:19:44
